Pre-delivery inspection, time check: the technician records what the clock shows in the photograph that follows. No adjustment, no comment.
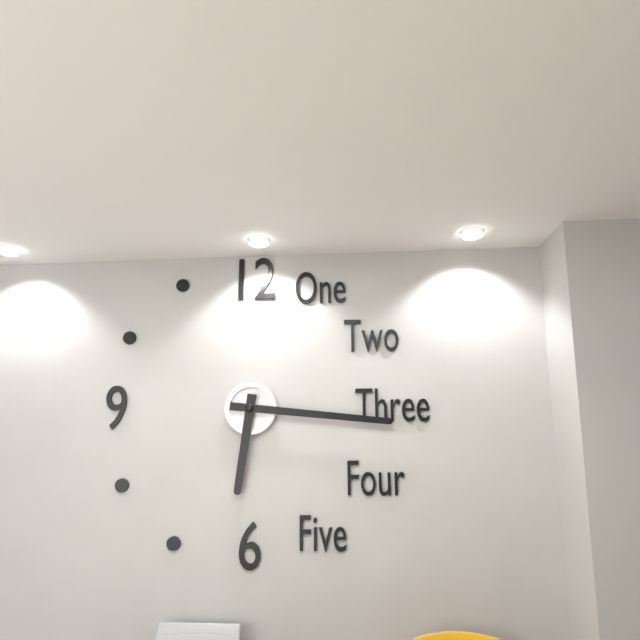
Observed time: 6:16
